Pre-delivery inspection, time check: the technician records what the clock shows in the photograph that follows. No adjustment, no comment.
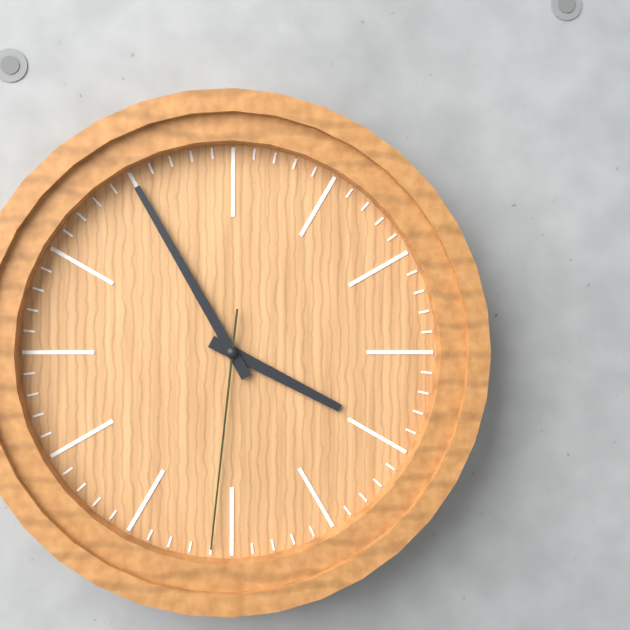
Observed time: 3:55:31
